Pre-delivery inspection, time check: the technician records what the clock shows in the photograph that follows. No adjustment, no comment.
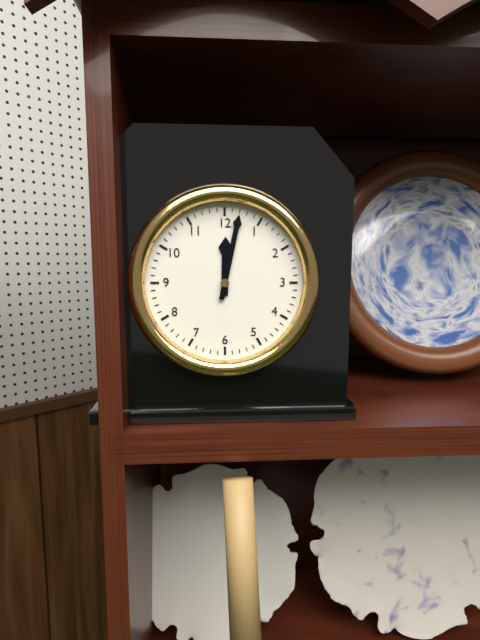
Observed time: 12:02
